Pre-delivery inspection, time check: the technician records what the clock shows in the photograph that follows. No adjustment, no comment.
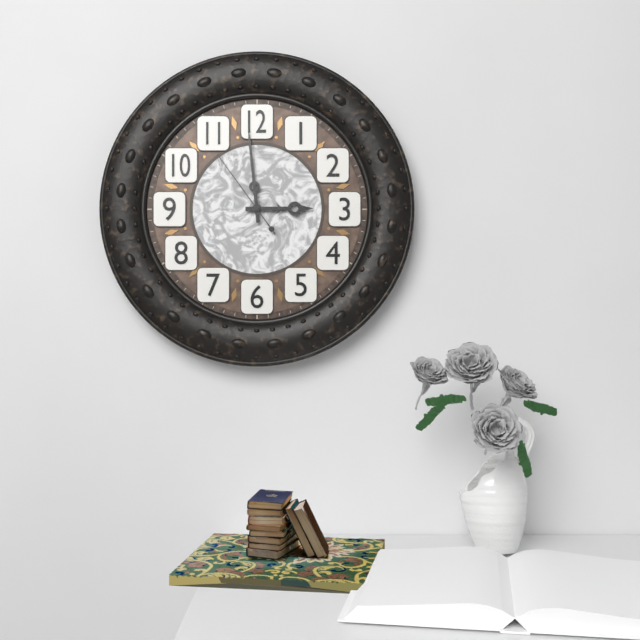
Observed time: 2:59:54
